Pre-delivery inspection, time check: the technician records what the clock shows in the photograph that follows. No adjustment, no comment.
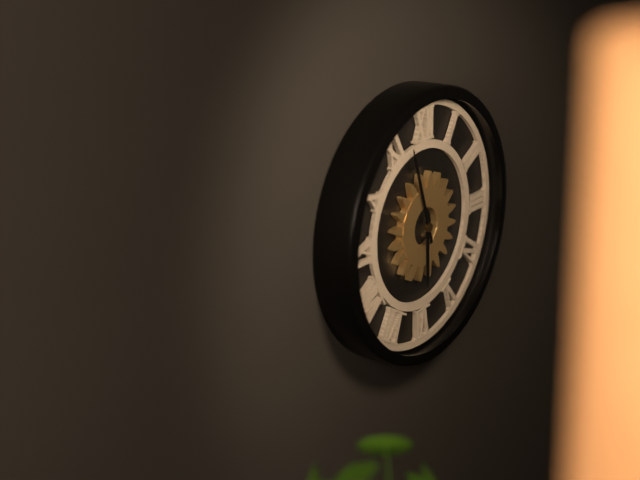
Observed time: 5:57
